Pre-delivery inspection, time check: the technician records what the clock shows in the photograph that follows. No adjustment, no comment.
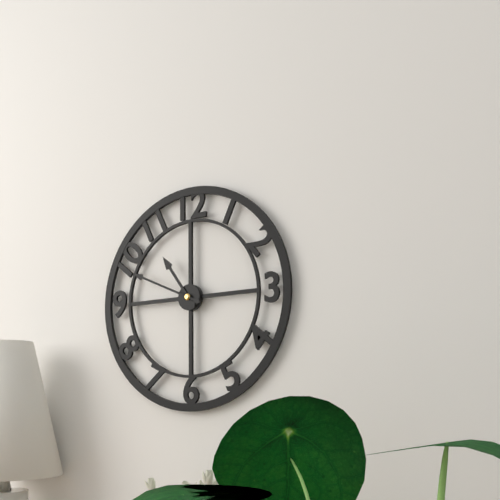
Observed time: 10:49
